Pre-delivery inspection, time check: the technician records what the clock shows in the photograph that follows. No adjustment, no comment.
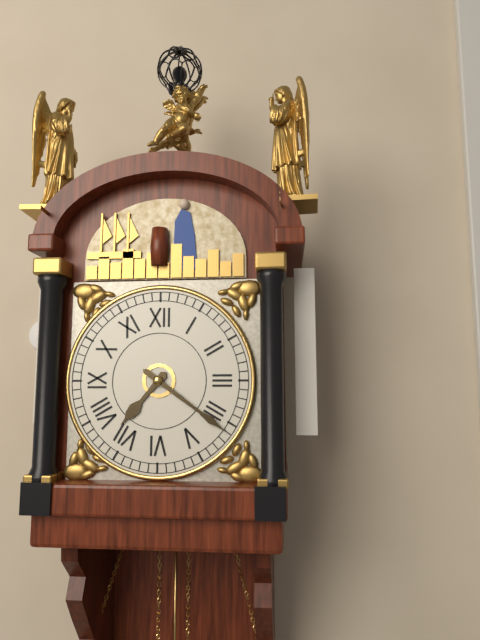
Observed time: 7:21
